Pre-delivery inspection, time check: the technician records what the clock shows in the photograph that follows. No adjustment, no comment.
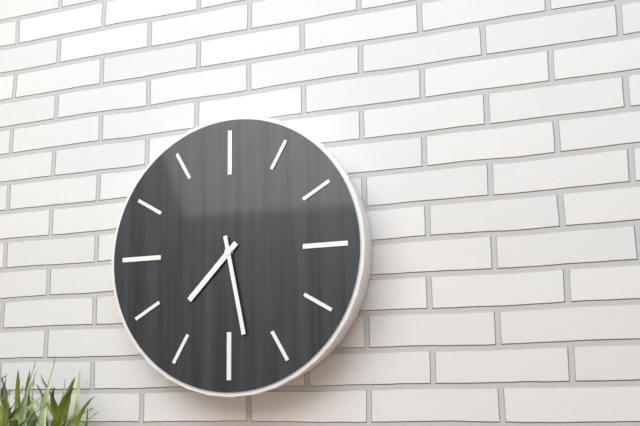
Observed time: 7:28
